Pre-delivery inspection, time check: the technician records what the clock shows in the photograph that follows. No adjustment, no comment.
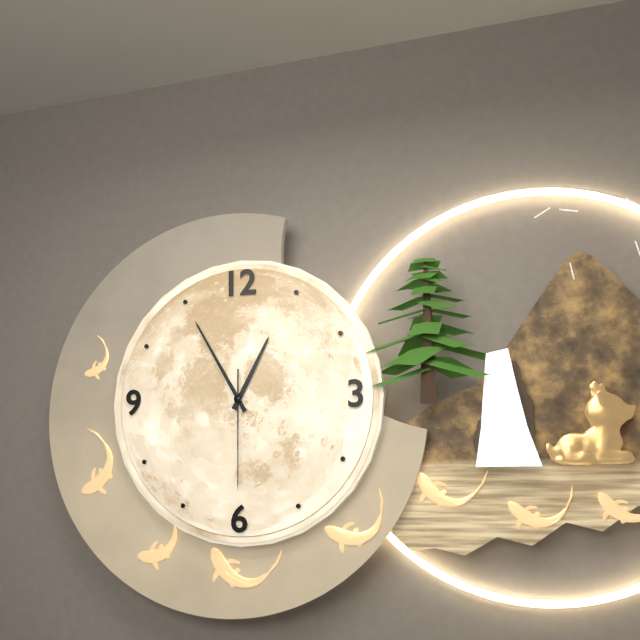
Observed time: 12:55:30
